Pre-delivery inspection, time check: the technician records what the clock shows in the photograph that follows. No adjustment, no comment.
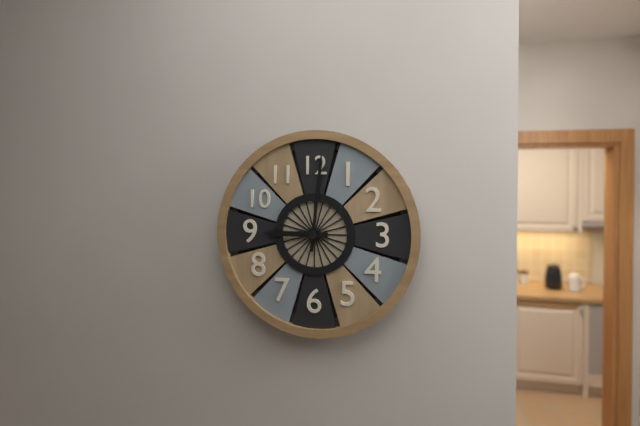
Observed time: 9:01
